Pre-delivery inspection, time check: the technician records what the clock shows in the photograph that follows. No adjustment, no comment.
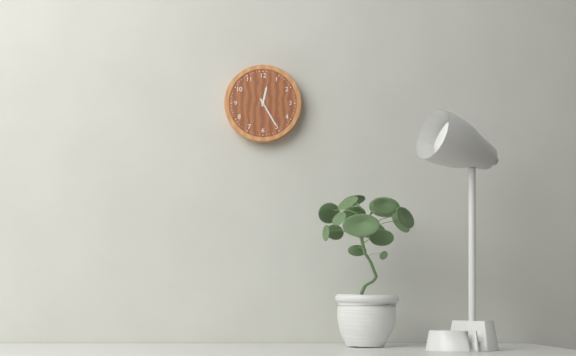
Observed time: 12:25
